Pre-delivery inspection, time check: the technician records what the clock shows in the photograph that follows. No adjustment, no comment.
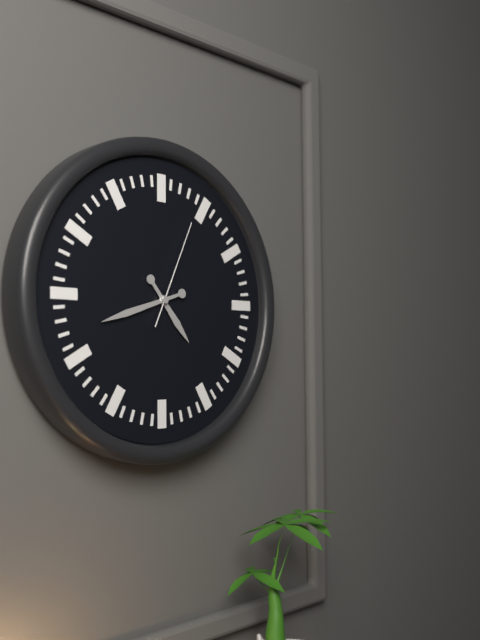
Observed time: 4:42:04
